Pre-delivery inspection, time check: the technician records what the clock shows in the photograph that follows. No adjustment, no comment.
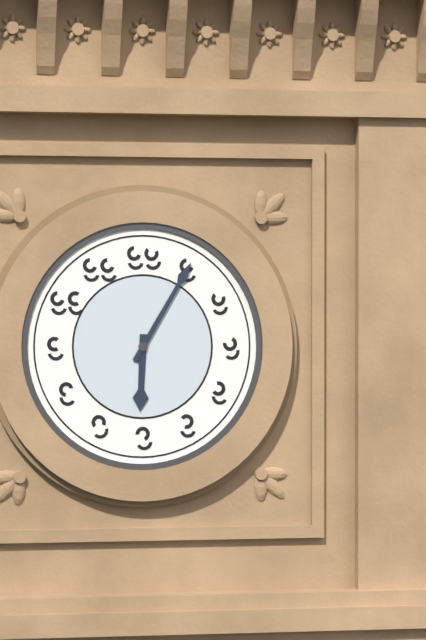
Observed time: 6:05
